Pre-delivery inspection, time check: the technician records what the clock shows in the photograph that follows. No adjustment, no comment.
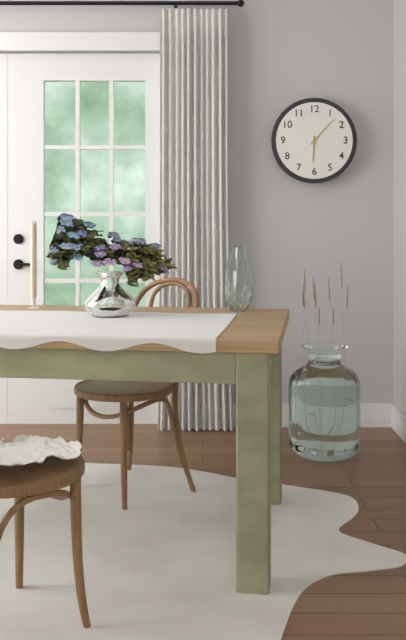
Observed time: 6:07
